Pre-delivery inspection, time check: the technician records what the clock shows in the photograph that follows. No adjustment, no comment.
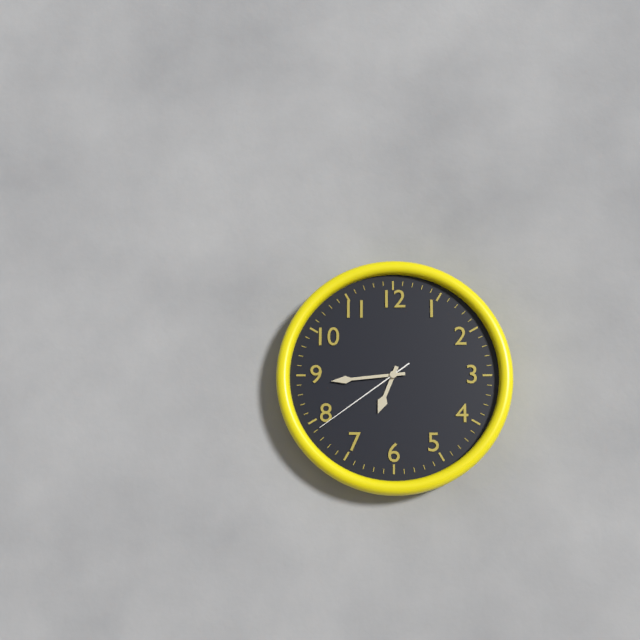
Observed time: 6:44:39
